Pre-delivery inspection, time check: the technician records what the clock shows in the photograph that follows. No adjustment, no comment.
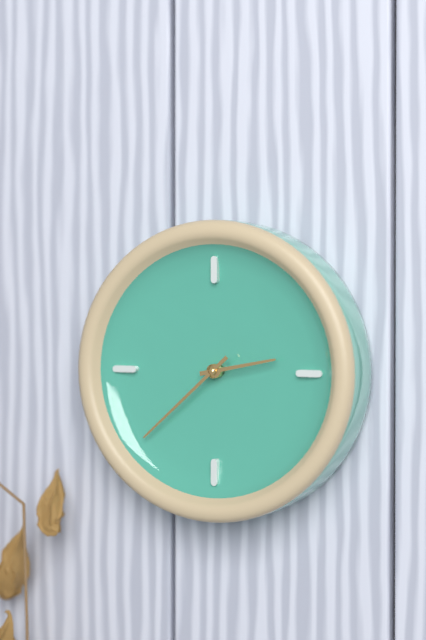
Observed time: 2:38
